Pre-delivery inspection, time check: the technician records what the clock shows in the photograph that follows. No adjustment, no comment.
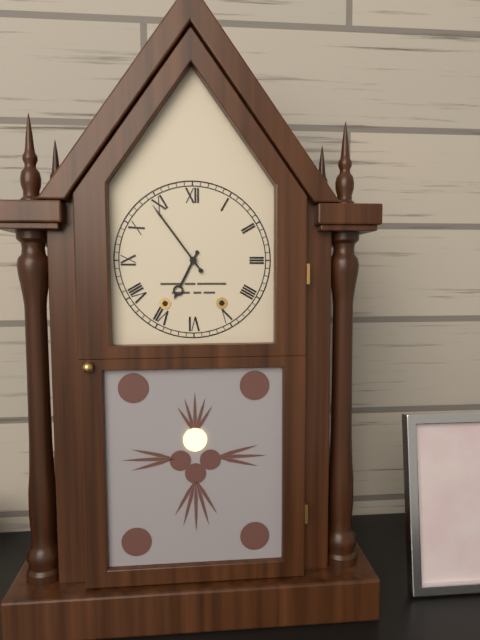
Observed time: 6:54
